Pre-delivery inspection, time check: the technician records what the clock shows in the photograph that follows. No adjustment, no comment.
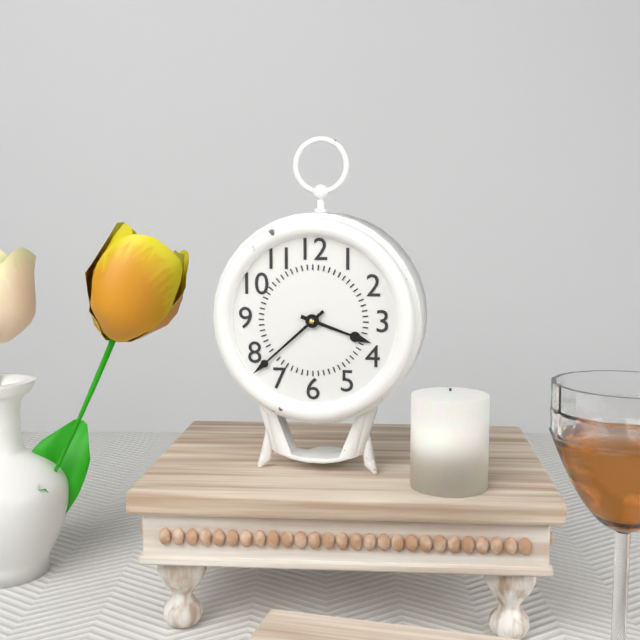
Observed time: 3:38
